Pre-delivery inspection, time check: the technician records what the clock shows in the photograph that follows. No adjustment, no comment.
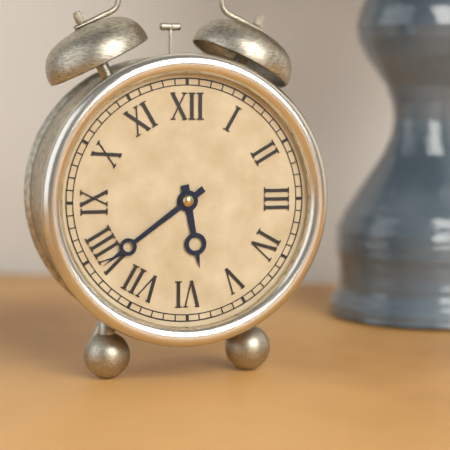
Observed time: 5:39
